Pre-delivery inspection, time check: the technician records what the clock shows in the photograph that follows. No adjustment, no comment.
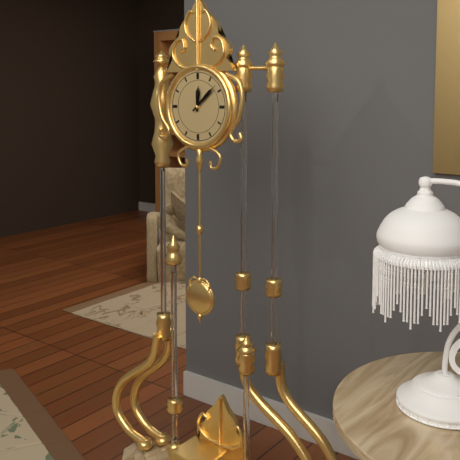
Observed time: 12:08
